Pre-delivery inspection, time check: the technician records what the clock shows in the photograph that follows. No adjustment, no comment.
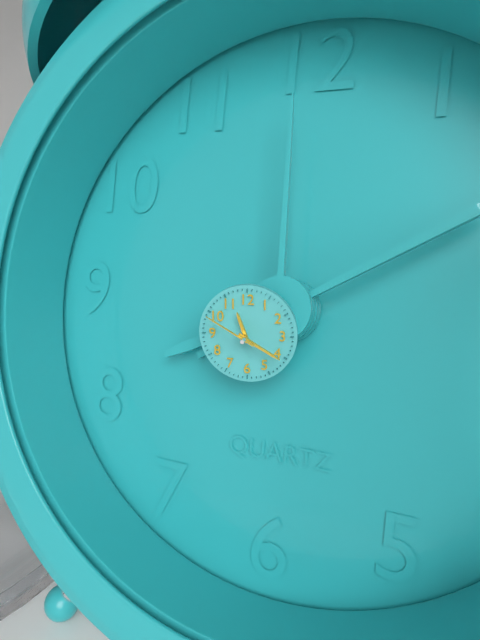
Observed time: 11:20:50
